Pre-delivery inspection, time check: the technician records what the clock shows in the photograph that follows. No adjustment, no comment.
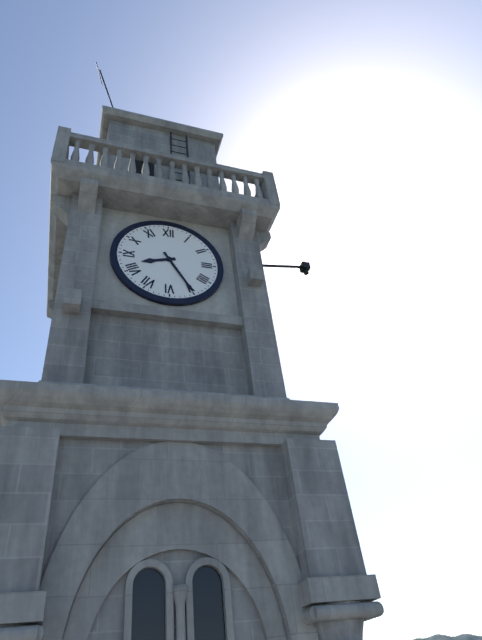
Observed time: 8:25
